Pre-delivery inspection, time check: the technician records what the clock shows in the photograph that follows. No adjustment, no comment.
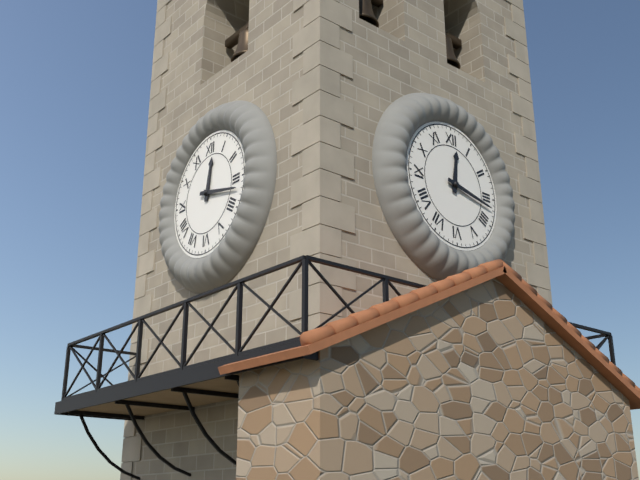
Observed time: 12:17
